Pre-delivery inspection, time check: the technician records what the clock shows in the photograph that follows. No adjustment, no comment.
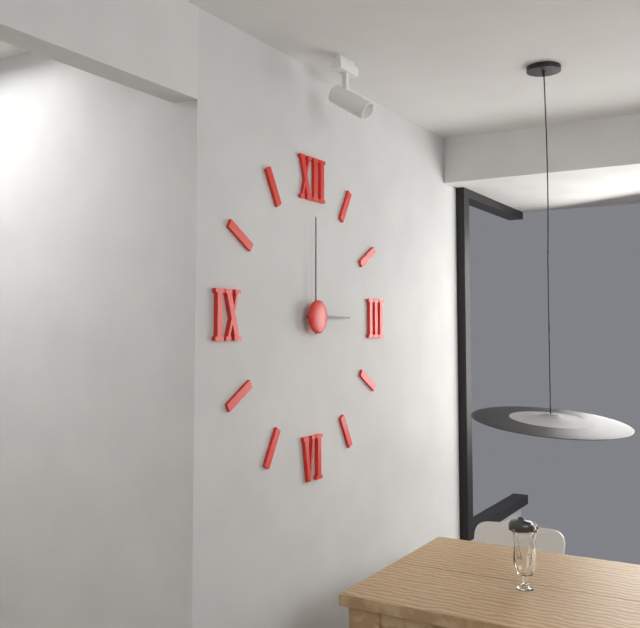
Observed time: 3:00
